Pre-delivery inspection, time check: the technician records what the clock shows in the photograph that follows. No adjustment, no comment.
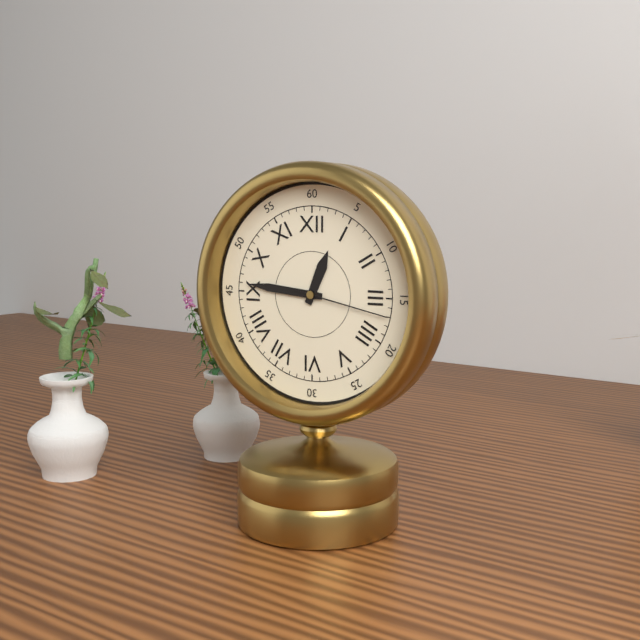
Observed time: 12:46:17
